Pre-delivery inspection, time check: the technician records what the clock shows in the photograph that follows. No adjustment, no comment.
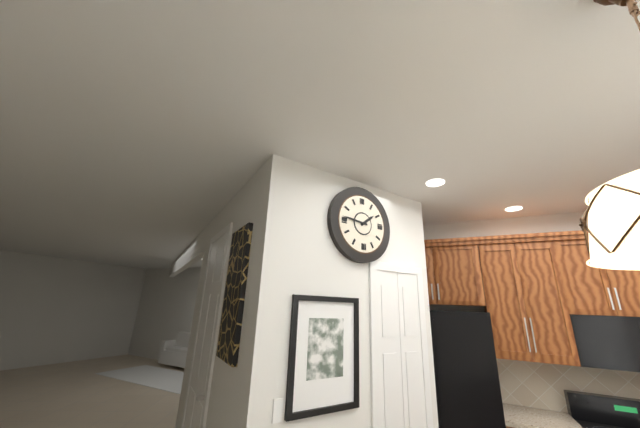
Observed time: 1:46
